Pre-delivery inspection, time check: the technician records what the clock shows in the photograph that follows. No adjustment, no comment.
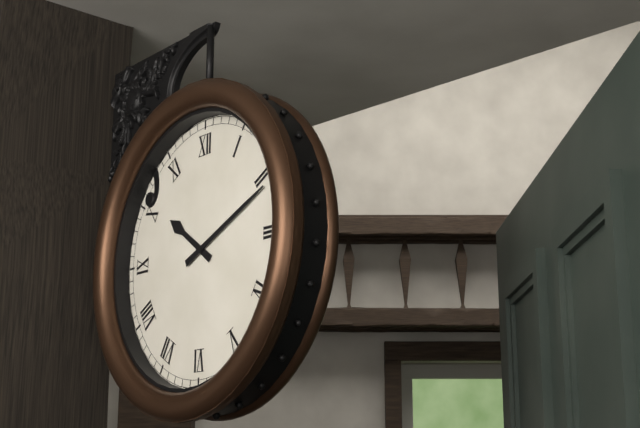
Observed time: 10:11
